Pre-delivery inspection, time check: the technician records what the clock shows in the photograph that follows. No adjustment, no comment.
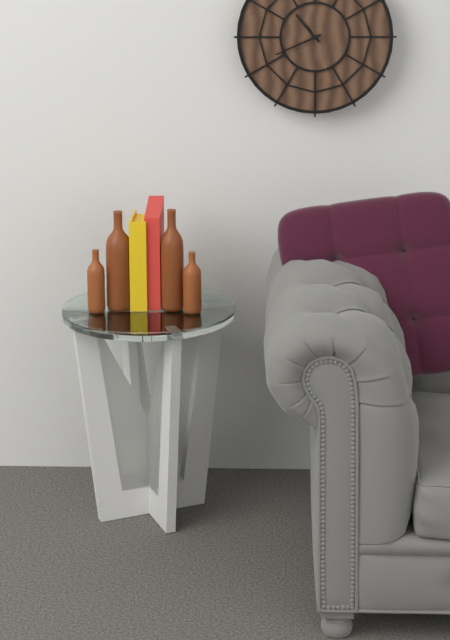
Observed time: 10:41:27
